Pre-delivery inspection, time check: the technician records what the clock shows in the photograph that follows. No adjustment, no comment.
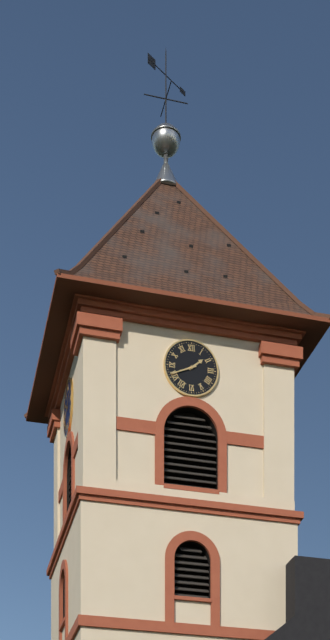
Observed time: 1:41
